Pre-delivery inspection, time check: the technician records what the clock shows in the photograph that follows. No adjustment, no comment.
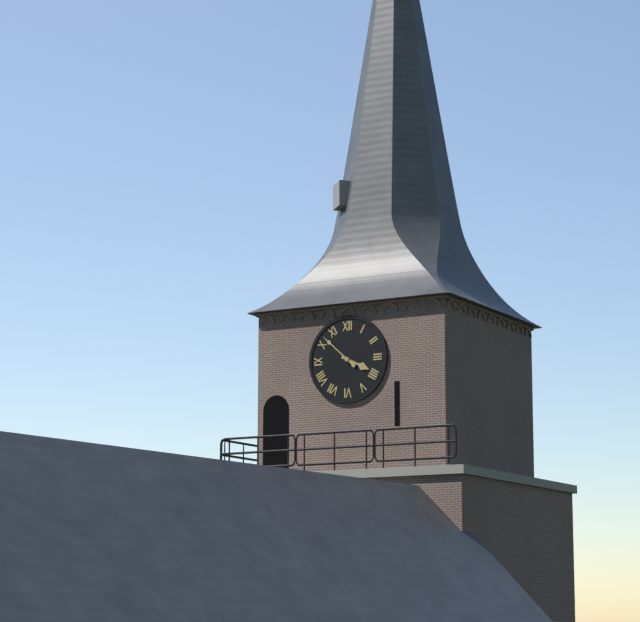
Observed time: 3:52
